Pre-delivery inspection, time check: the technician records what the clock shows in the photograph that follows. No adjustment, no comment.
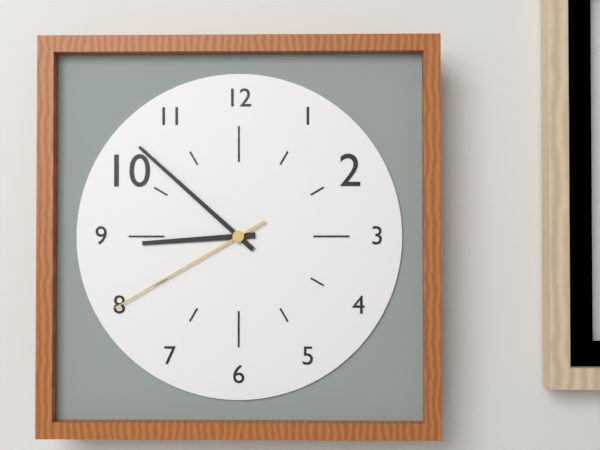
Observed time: 8:52:40
